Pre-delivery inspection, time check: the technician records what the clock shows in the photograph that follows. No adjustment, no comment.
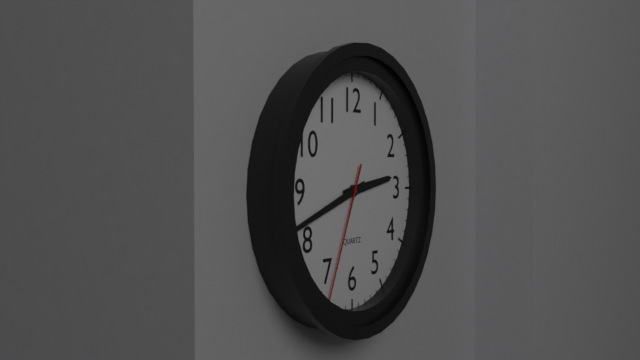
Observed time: 2:42:34
